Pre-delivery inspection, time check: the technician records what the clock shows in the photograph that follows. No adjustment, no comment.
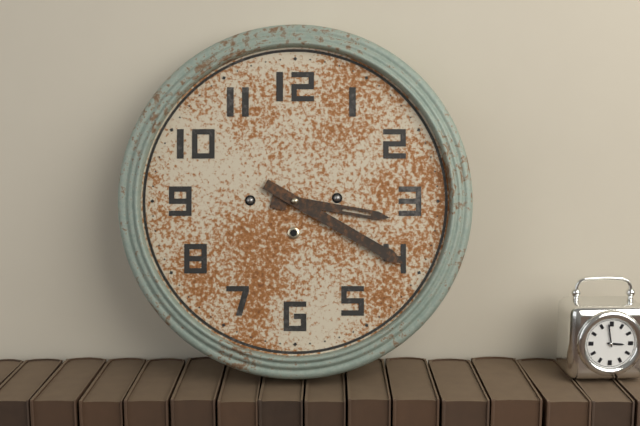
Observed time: 3:20
